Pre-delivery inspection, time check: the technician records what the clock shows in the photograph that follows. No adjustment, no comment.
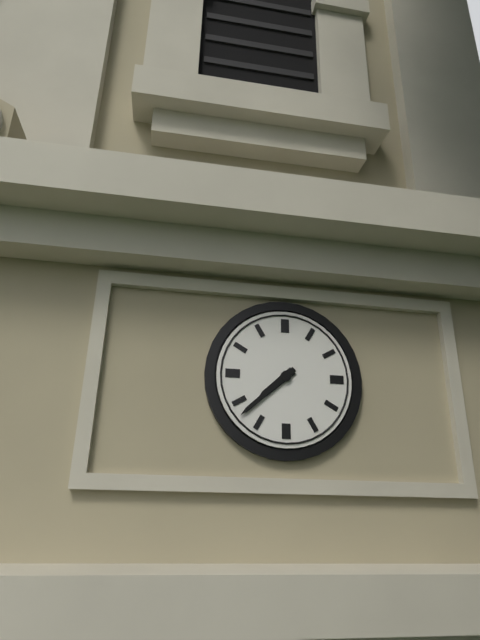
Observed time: 7:38
